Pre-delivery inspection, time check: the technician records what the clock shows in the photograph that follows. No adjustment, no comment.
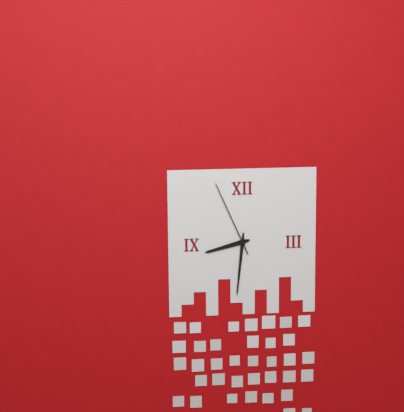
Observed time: 8:31:56
